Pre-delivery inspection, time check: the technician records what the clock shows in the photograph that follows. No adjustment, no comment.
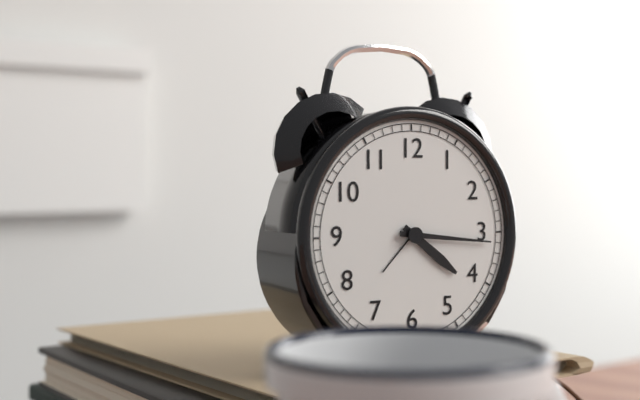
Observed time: 4:16
